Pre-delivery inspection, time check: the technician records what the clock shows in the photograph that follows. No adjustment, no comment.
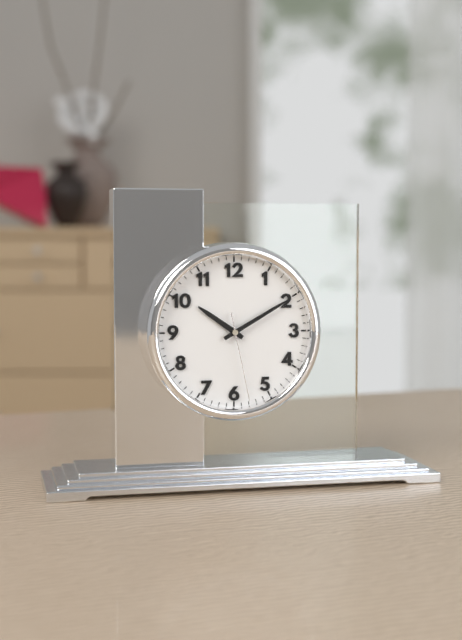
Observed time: 10:10:28
